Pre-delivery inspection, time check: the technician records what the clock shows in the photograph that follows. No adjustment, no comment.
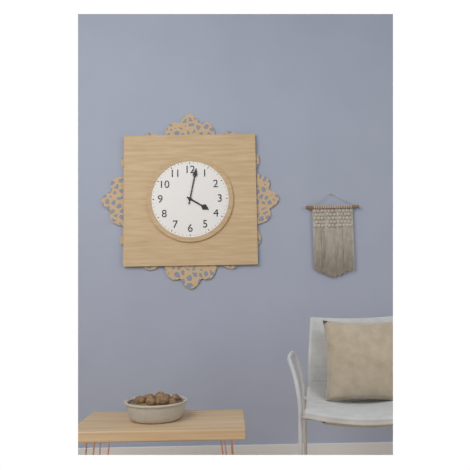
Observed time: 4:02
